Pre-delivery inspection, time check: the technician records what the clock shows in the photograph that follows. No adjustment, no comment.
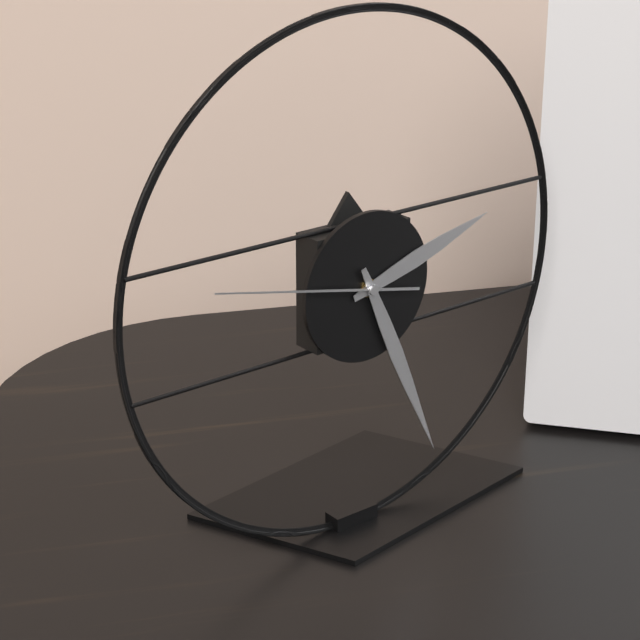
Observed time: 2:26:47
